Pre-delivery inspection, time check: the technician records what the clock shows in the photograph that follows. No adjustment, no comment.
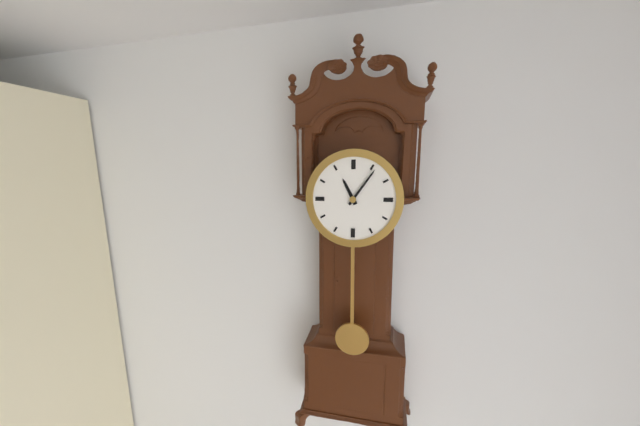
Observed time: 11:06
